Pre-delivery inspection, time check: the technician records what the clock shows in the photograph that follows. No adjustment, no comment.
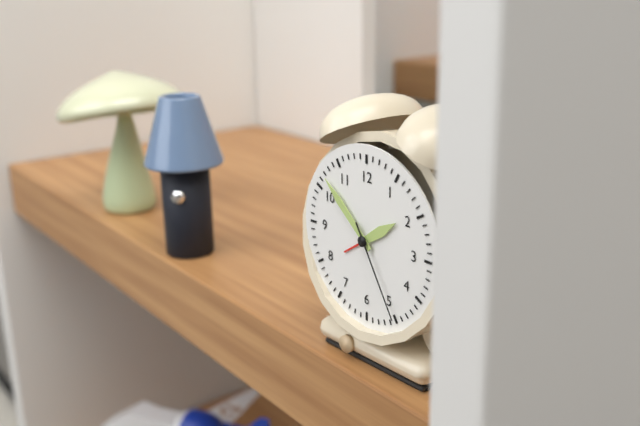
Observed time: 1:52:25
